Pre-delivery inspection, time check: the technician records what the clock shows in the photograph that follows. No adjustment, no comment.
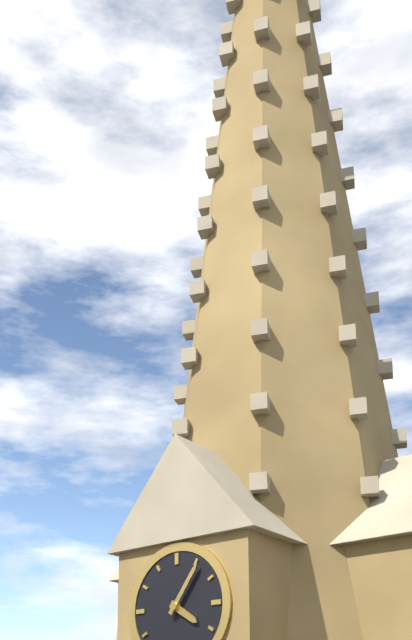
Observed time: 4:06
